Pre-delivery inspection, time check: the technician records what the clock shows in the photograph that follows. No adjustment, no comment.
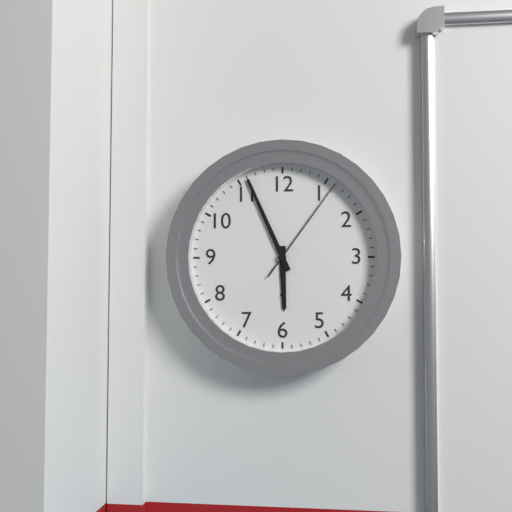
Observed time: 5:56:06
